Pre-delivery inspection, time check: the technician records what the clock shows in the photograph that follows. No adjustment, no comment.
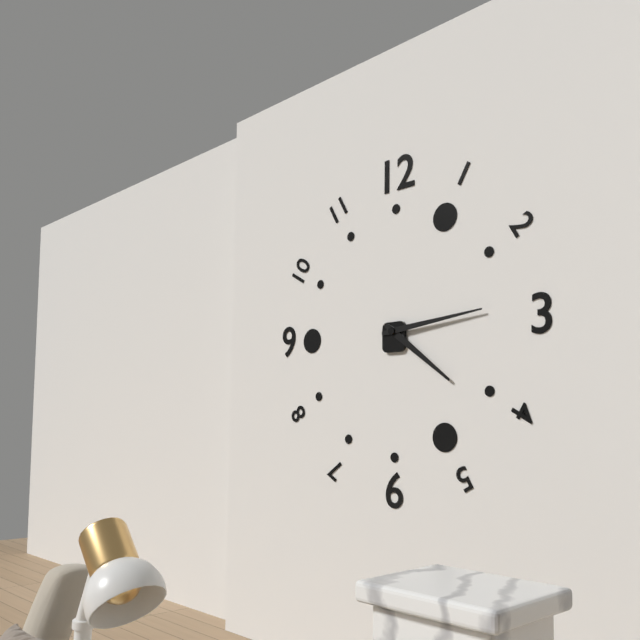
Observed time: 4:14
